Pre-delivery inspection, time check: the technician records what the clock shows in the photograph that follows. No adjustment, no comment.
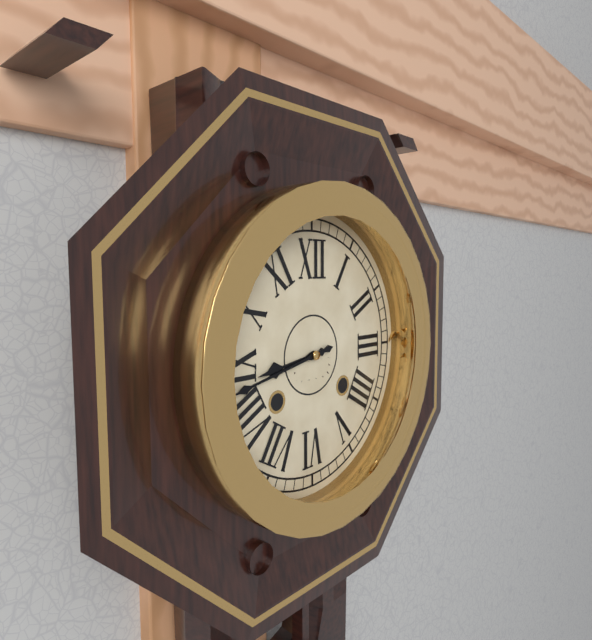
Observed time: 8:43
